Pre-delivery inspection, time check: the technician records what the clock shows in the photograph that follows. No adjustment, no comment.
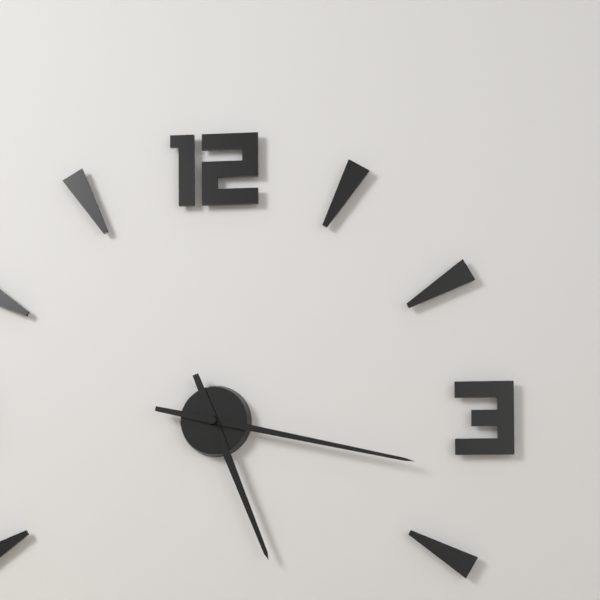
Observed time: 5:17
